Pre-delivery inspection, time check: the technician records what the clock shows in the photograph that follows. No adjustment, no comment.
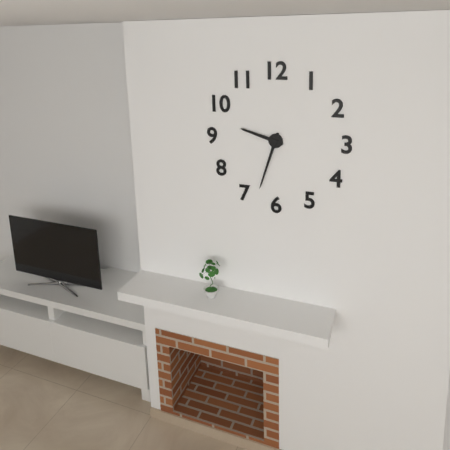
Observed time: 9:33
